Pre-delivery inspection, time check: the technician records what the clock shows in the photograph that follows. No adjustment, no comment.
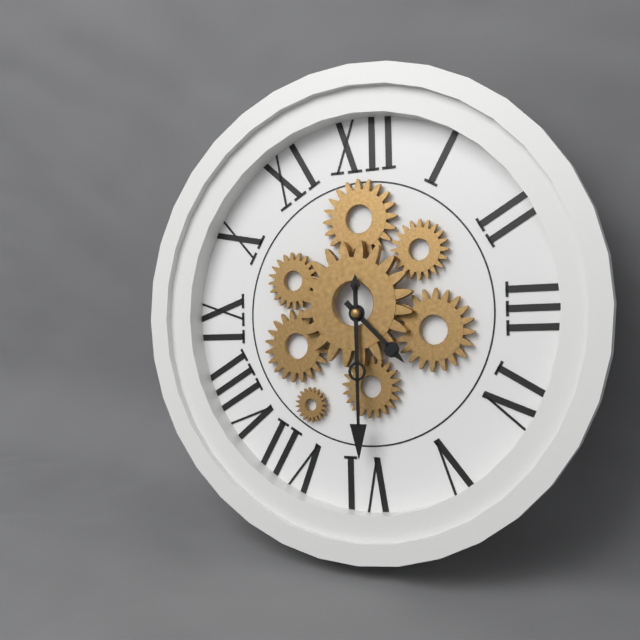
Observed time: 4:30
